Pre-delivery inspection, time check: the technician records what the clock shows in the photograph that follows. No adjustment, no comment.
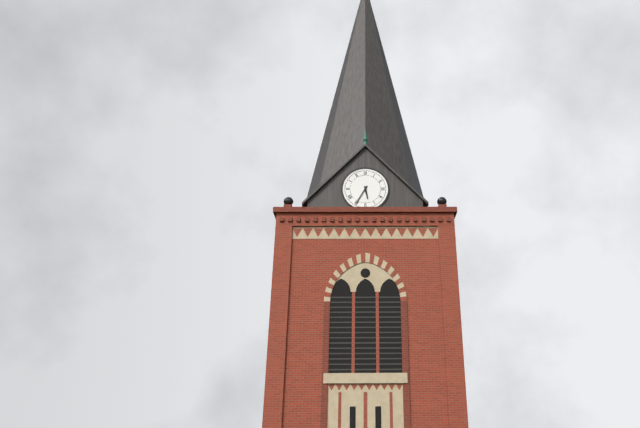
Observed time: 5:35
